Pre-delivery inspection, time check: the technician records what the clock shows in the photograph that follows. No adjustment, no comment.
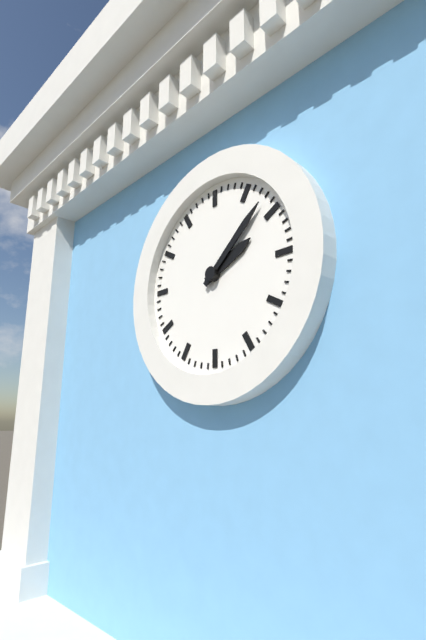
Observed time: 2:08
